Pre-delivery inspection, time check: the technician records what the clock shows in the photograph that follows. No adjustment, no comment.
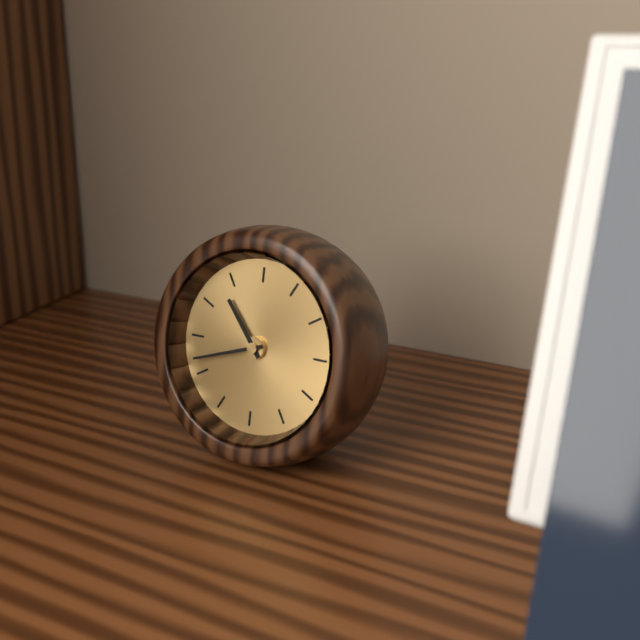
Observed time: 10:42
